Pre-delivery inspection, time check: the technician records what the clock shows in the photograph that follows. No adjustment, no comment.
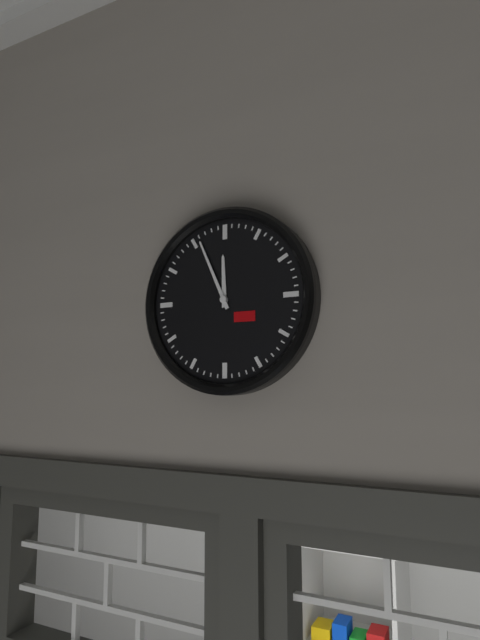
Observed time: 11:56
